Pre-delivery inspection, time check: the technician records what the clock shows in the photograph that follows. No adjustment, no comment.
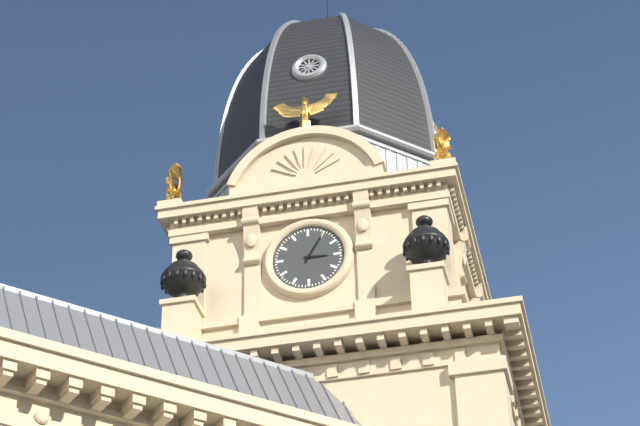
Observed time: 3:05
